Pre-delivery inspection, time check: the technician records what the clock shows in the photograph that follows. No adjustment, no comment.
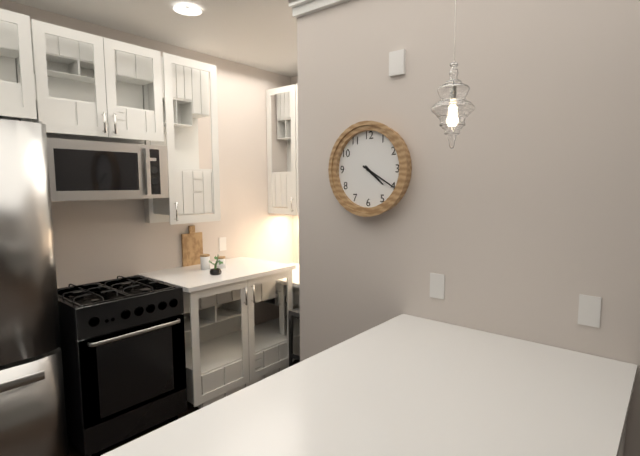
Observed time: 4:20
